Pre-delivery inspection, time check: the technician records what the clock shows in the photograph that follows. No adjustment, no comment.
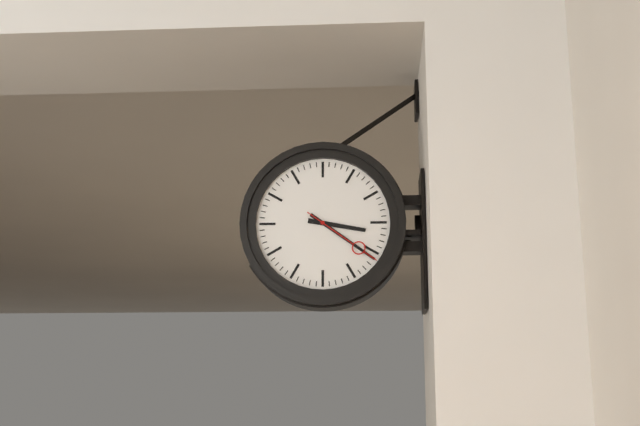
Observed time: 3:21:21
